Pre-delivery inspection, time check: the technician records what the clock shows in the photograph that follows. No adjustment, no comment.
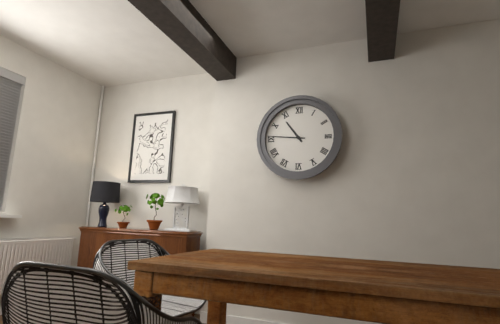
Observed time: 10:46
